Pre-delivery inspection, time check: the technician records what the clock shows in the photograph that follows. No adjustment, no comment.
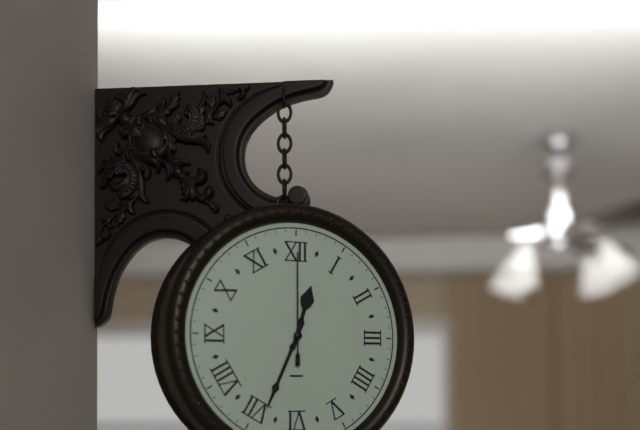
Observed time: 12:34:00
